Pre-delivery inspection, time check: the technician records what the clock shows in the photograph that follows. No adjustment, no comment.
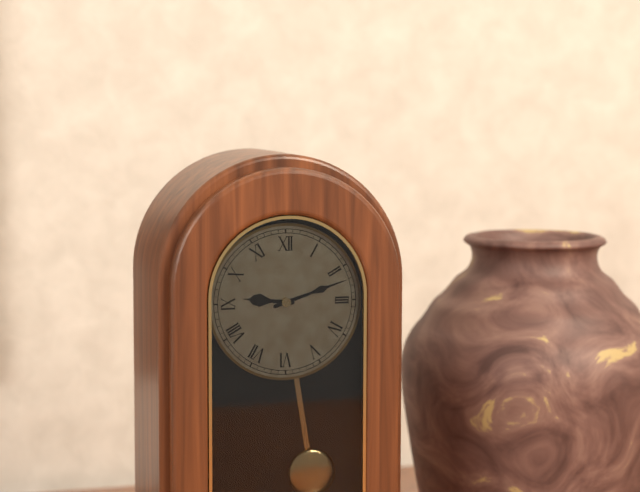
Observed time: 9:12
